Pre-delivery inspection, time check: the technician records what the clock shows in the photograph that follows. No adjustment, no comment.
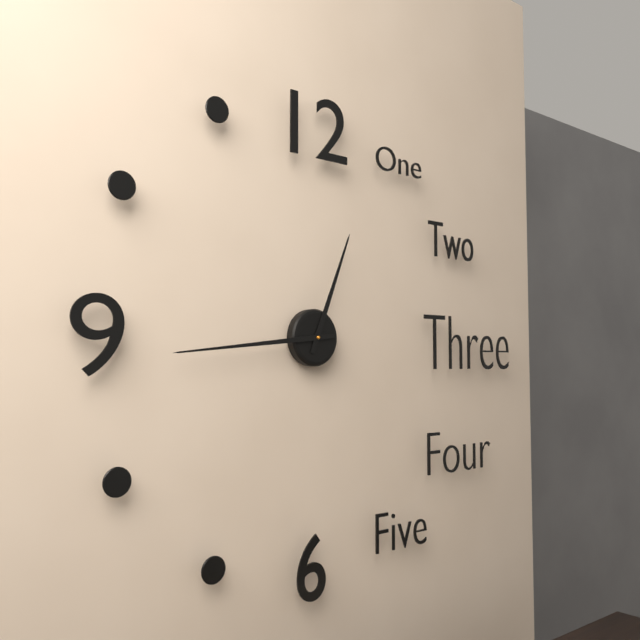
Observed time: 12:44
